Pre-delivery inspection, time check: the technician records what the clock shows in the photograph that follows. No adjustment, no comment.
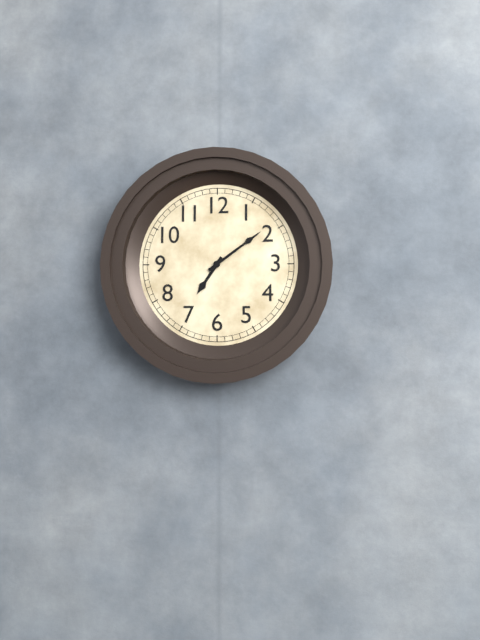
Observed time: 7:09
